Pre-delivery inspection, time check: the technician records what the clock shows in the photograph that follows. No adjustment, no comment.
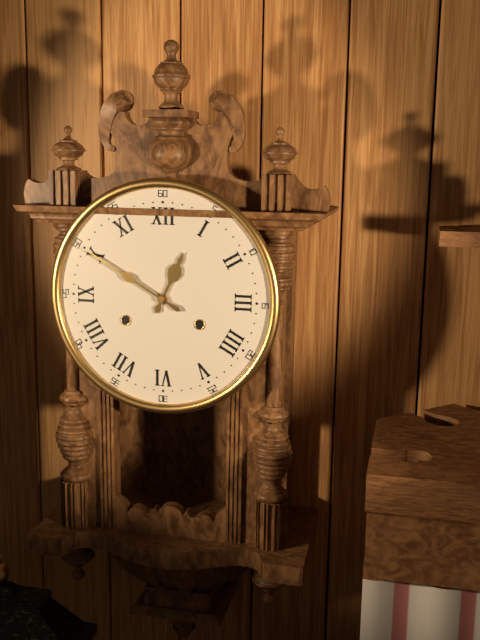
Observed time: 12:50
